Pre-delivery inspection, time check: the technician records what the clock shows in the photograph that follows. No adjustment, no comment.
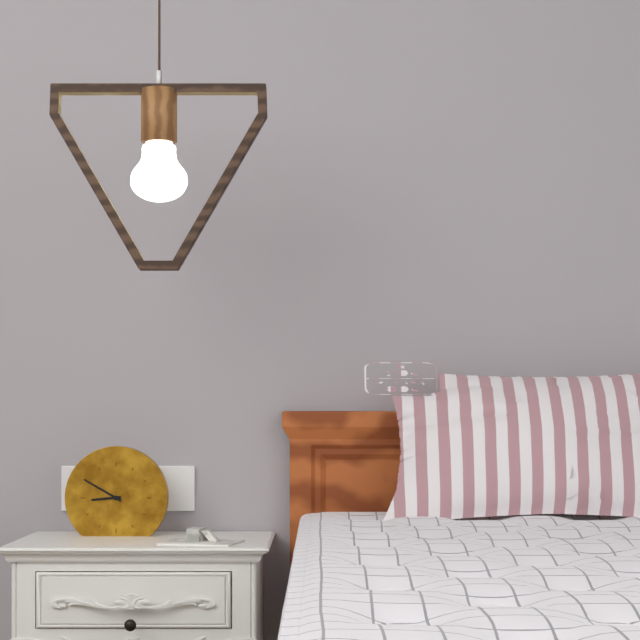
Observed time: 8:50
